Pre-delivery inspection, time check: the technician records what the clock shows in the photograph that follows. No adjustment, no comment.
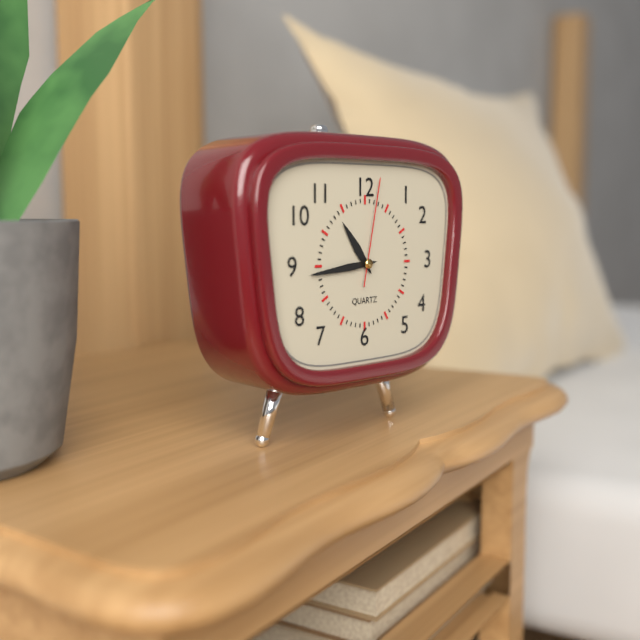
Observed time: 10:44:02
